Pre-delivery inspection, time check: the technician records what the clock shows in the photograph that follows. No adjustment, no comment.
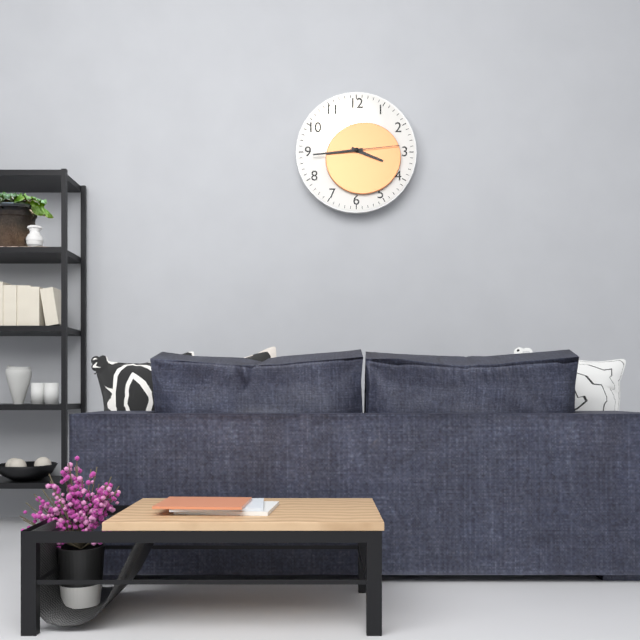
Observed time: 3:44:14
